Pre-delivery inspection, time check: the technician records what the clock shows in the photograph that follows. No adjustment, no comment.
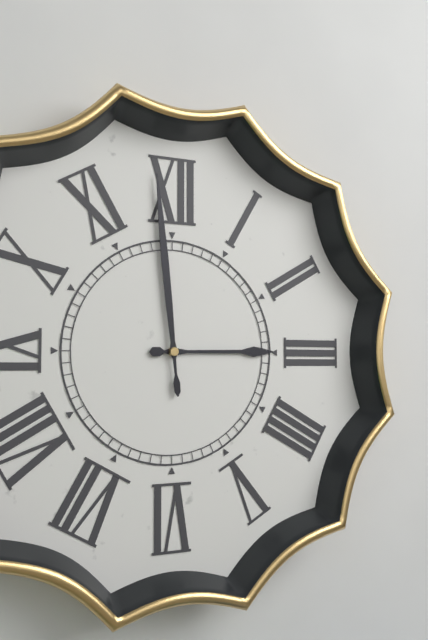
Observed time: 2:59
